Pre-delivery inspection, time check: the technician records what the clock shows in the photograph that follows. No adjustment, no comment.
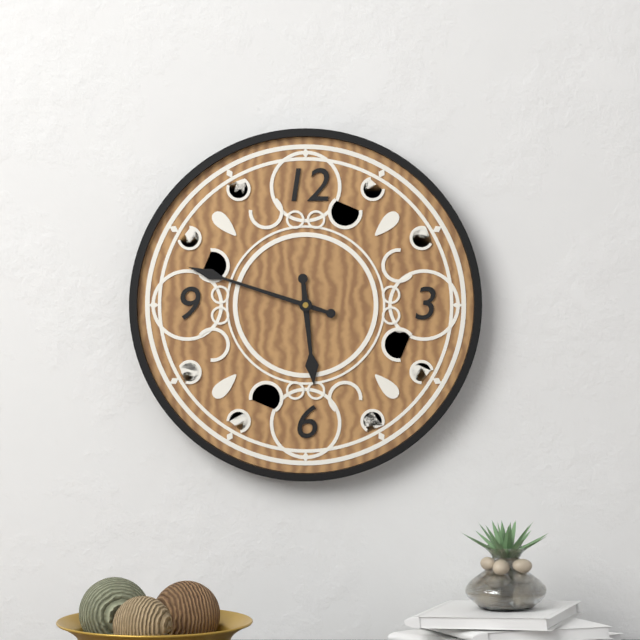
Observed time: 5:48
